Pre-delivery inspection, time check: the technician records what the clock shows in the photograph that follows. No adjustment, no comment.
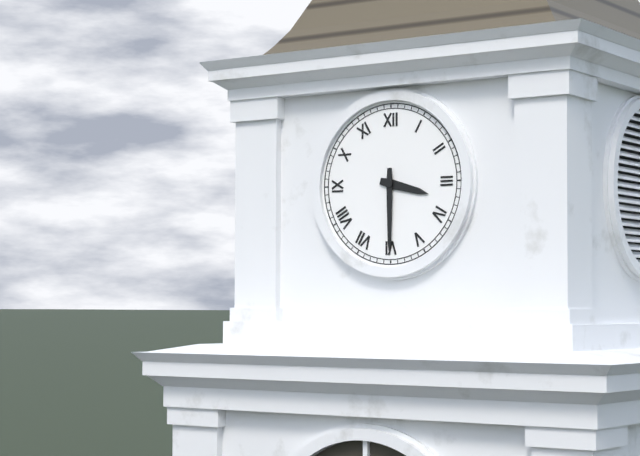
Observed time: 3:30
